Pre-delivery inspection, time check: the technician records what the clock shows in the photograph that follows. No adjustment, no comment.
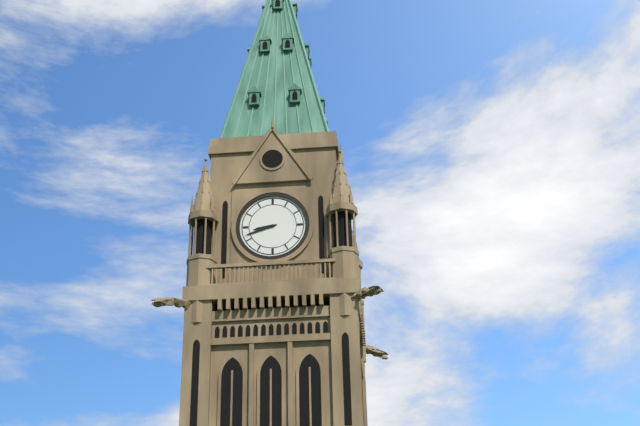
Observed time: 8:42
